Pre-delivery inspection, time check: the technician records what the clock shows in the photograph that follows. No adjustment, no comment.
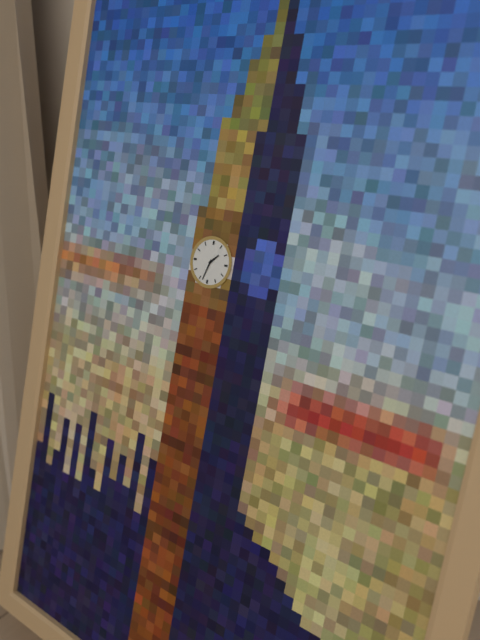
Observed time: 1:33
